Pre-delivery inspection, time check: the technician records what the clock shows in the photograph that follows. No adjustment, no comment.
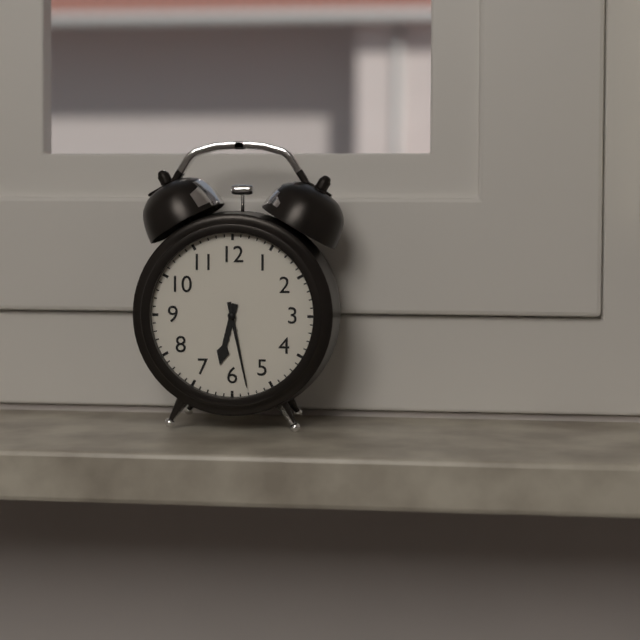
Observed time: 6:28
